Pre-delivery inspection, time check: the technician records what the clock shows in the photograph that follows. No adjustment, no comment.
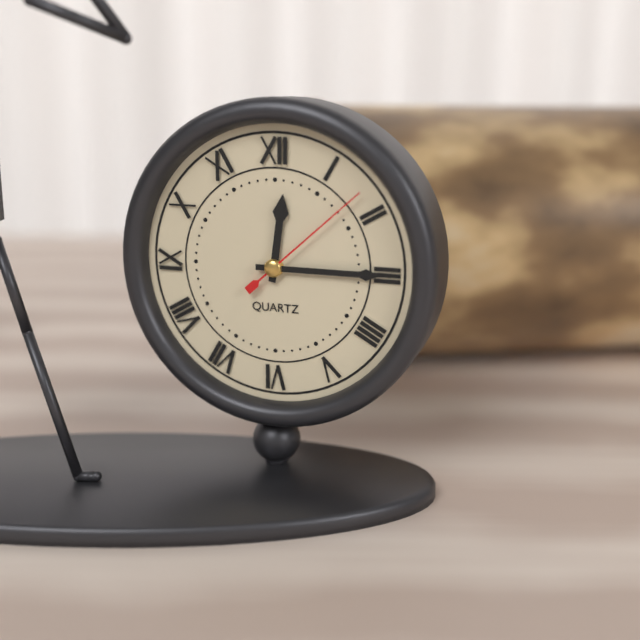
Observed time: 12:15:08
